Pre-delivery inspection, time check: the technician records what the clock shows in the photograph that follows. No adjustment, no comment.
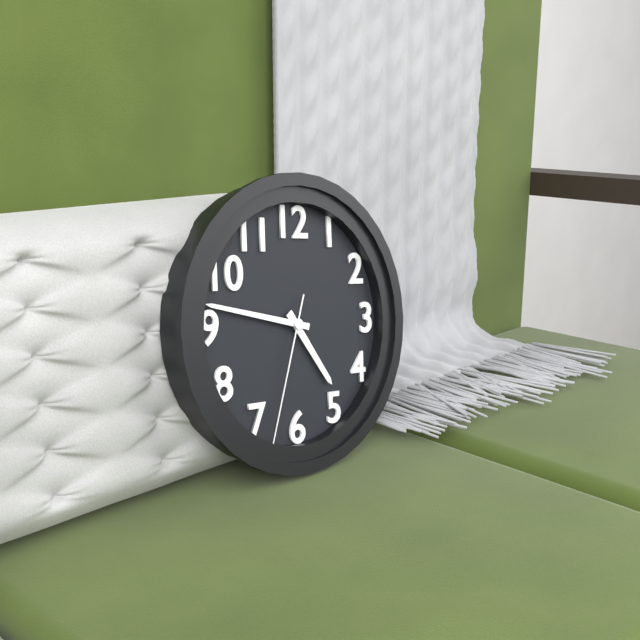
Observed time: 4:47:33
